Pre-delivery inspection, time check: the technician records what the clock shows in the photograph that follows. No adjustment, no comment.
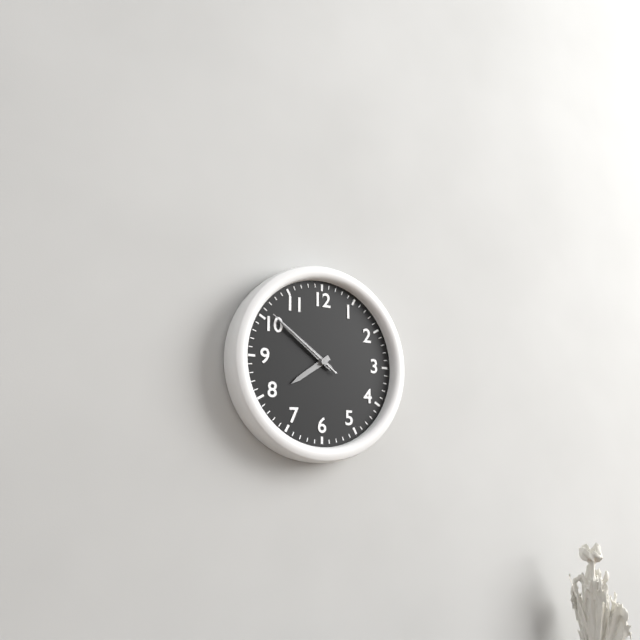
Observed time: 7:51:51
